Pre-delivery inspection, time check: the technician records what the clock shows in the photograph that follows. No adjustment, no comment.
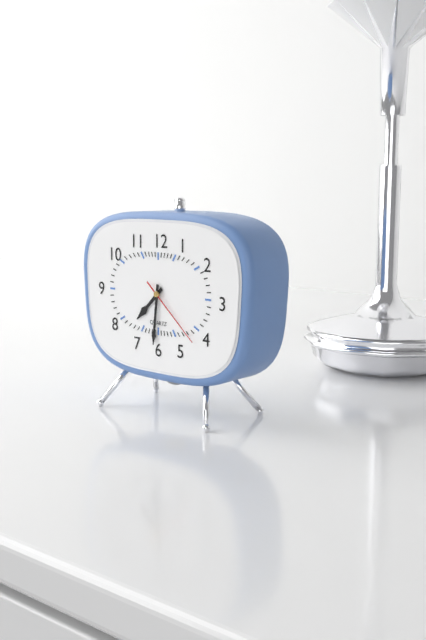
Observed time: 7:31:22
